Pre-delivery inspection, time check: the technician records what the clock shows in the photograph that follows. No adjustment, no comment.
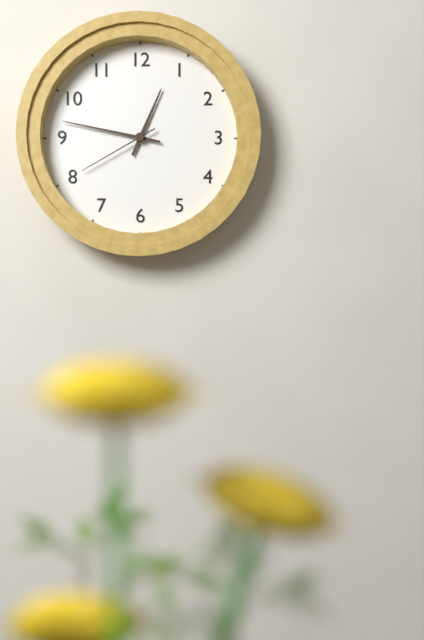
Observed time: 12:47:40
